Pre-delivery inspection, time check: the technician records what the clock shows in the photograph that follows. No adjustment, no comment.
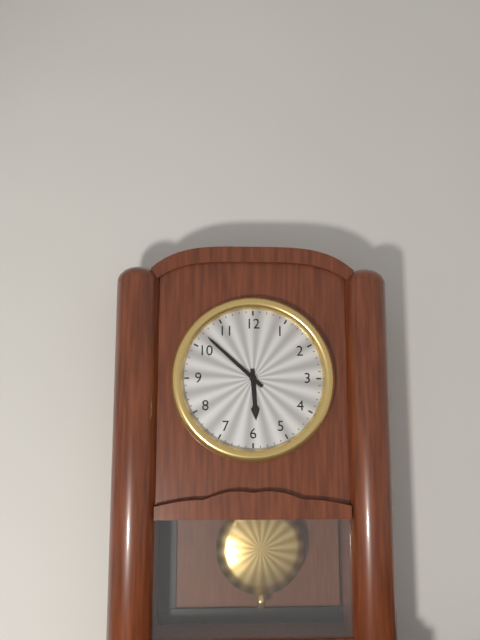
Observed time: 5:52
